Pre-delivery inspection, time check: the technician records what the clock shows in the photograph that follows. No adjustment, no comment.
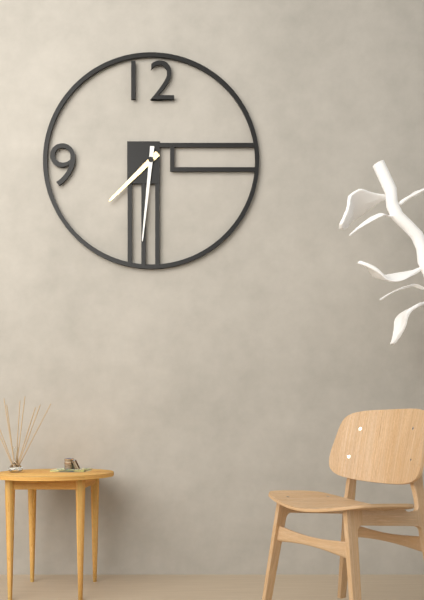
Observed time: 7:31
